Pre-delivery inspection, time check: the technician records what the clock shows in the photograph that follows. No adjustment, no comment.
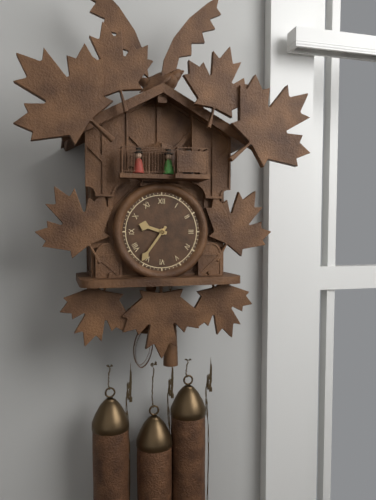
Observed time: 9:36
